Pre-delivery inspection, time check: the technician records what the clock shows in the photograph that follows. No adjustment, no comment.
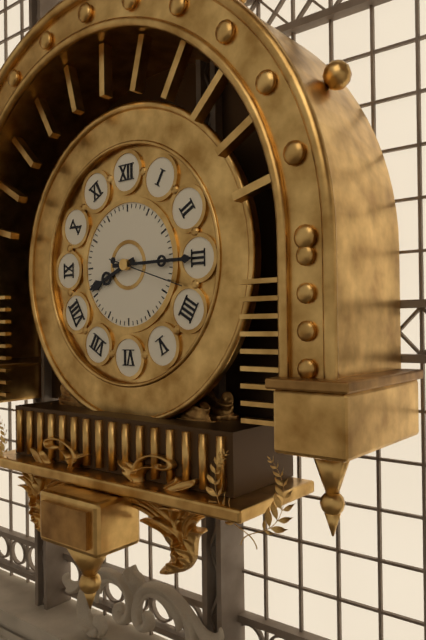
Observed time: 8:15:18
